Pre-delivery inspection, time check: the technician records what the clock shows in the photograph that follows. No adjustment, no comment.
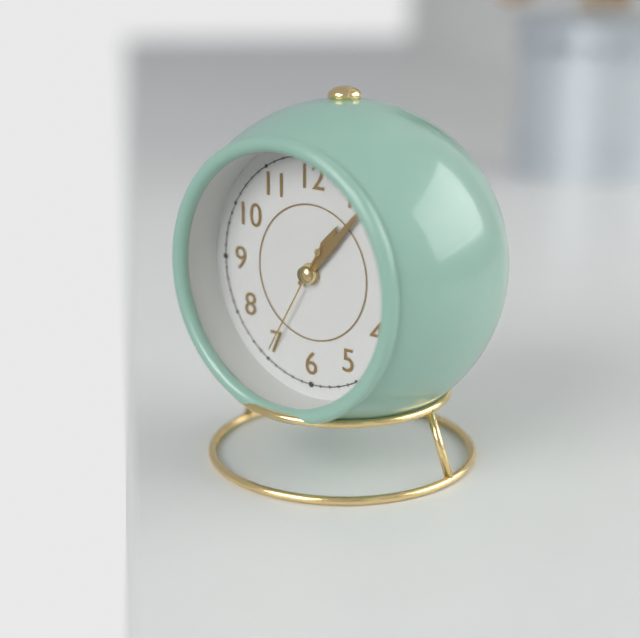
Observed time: 1:07:35
